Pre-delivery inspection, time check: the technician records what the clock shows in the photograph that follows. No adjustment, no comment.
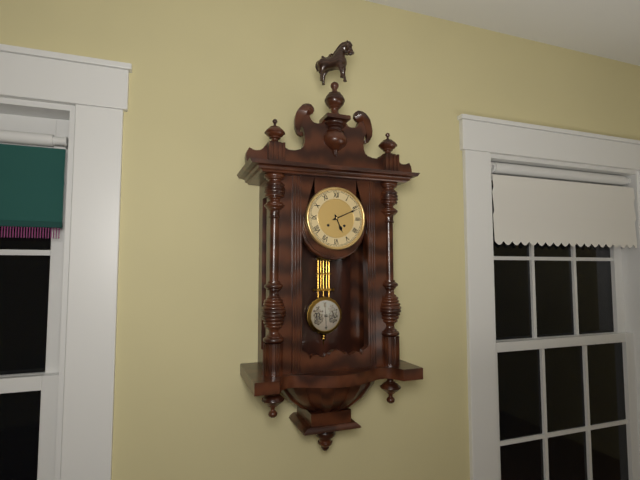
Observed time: 5:11
